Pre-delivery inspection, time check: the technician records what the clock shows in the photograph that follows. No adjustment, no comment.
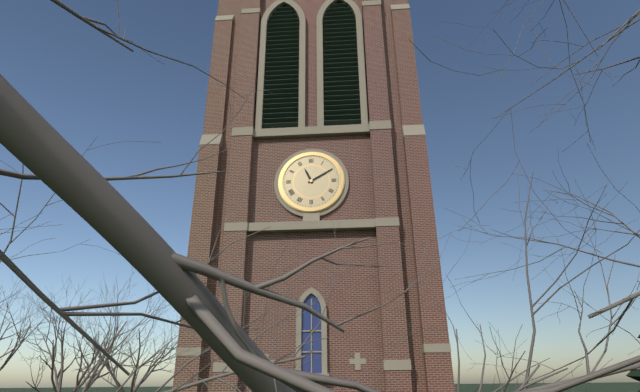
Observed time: 11:10
